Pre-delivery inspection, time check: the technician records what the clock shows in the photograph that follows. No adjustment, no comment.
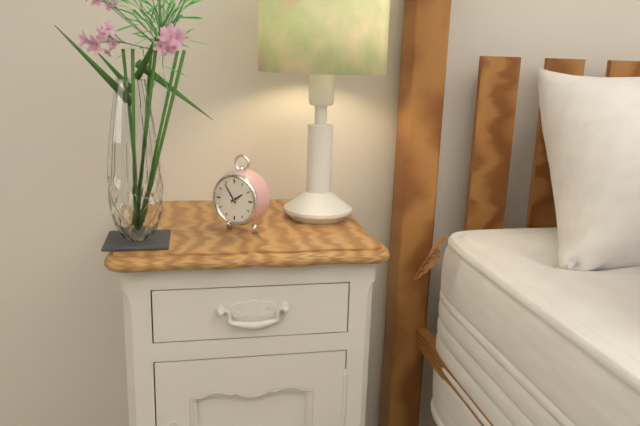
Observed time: 1:54
